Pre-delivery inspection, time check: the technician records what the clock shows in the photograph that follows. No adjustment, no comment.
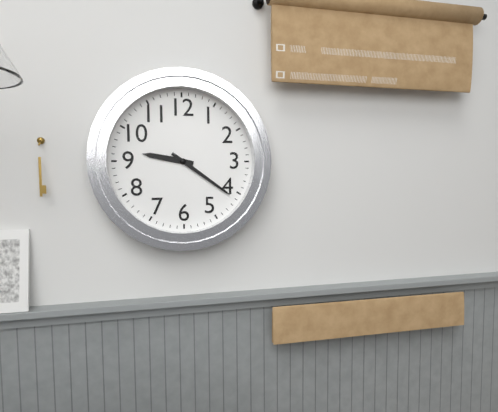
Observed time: 9:21
